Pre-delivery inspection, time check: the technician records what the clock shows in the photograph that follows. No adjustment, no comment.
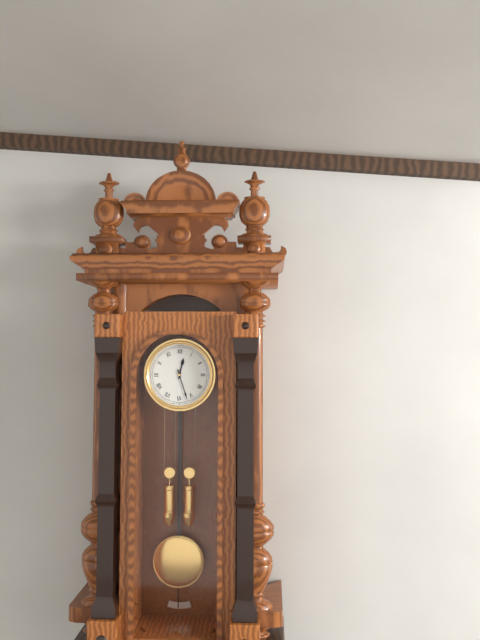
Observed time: 12:27
